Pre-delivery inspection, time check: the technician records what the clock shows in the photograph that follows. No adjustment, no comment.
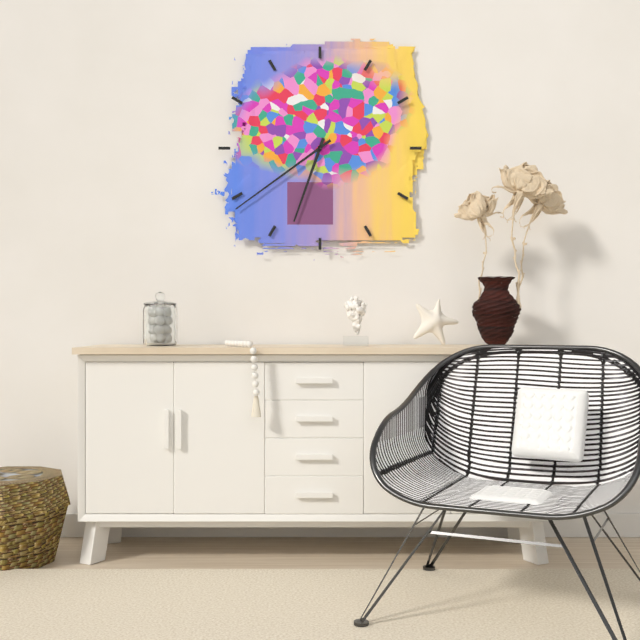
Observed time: 6:39
